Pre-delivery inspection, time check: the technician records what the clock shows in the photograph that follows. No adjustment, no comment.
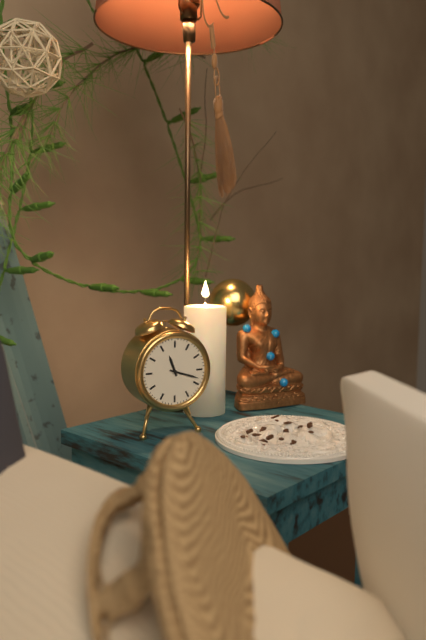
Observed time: 11:18
